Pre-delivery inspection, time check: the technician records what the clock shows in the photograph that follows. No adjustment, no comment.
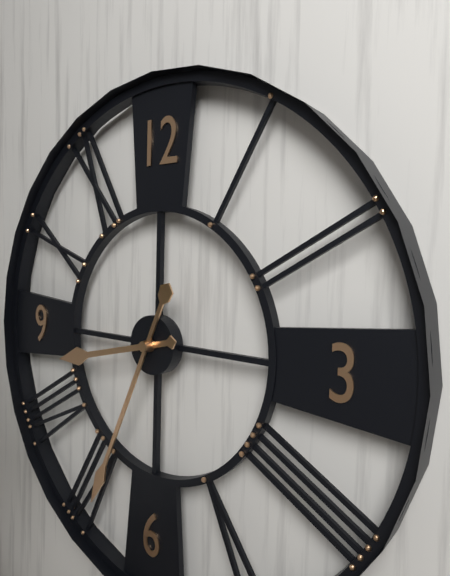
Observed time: 8:34
